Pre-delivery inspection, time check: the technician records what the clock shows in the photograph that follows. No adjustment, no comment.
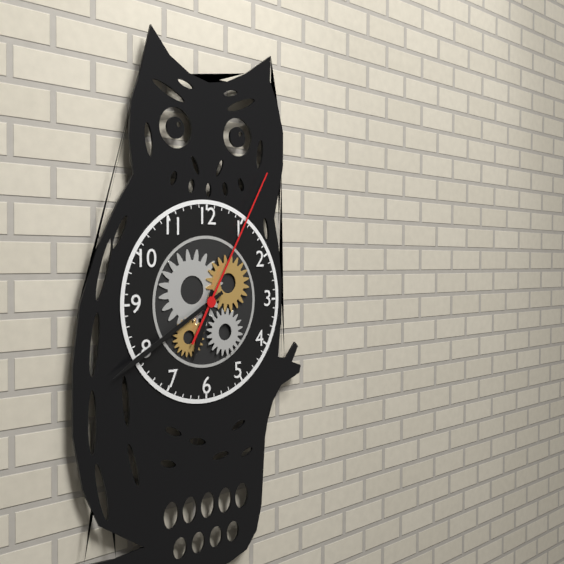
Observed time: 6:40:05
